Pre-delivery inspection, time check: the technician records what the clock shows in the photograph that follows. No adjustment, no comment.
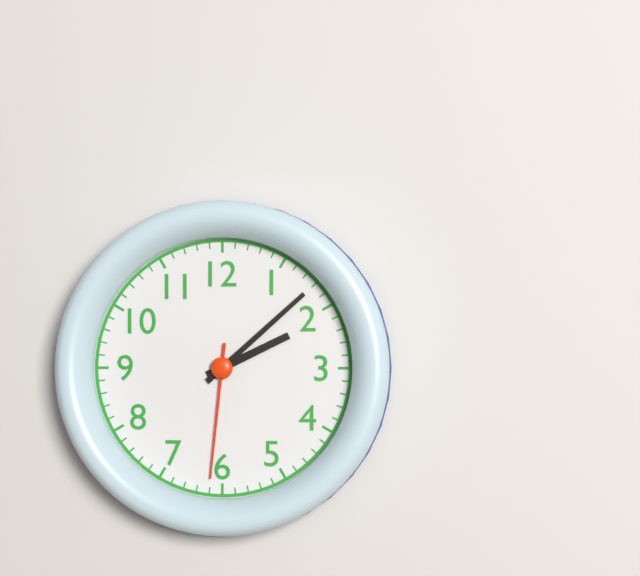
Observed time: 2:08:31
